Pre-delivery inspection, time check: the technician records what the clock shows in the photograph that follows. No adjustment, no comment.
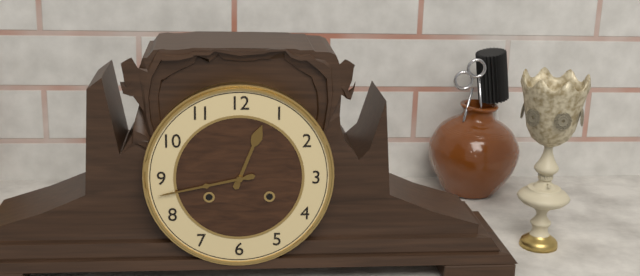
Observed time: 12:43
